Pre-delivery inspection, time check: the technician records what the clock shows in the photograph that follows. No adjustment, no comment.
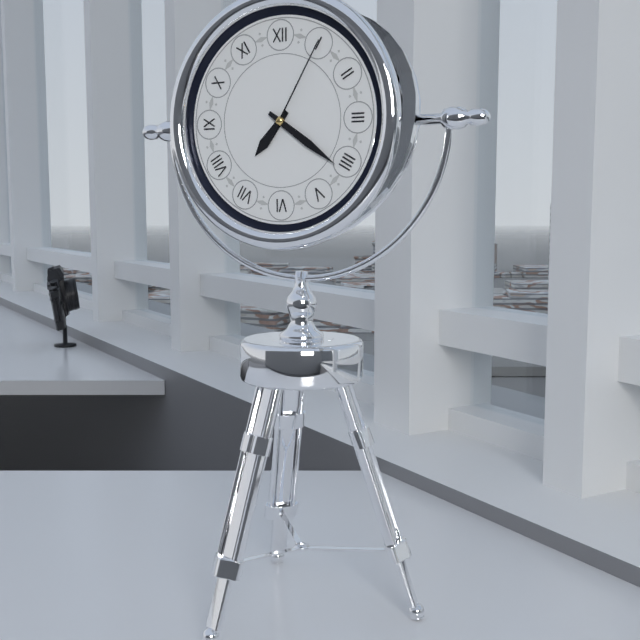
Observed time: 7:21:05
